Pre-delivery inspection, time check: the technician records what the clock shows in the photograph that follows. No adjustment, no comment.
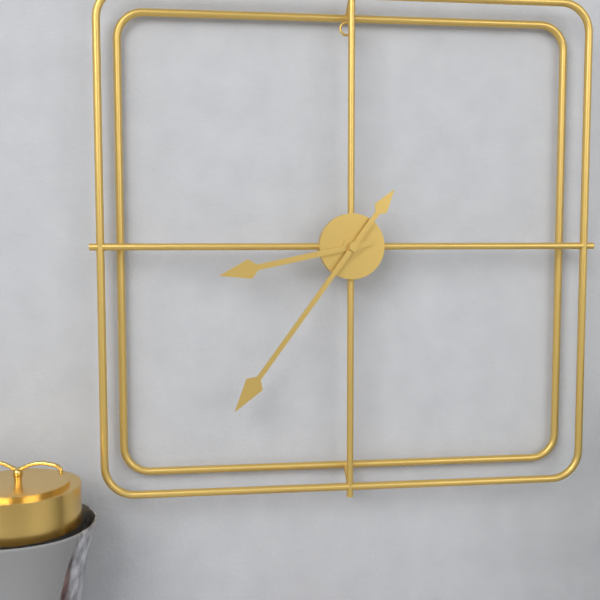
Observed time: 8:36
